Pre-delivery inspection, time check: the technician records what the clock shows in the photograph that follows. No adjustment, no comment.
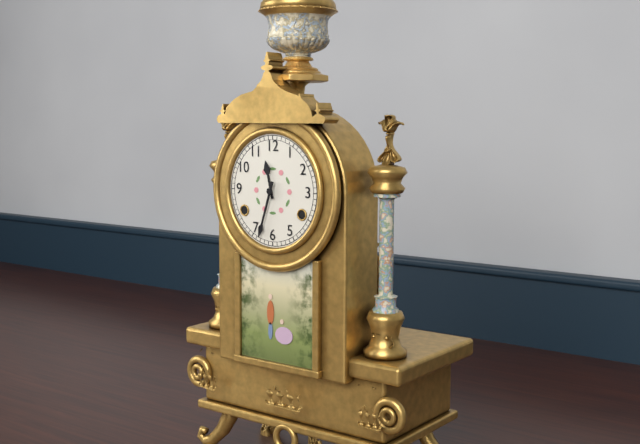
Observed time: 11:33
